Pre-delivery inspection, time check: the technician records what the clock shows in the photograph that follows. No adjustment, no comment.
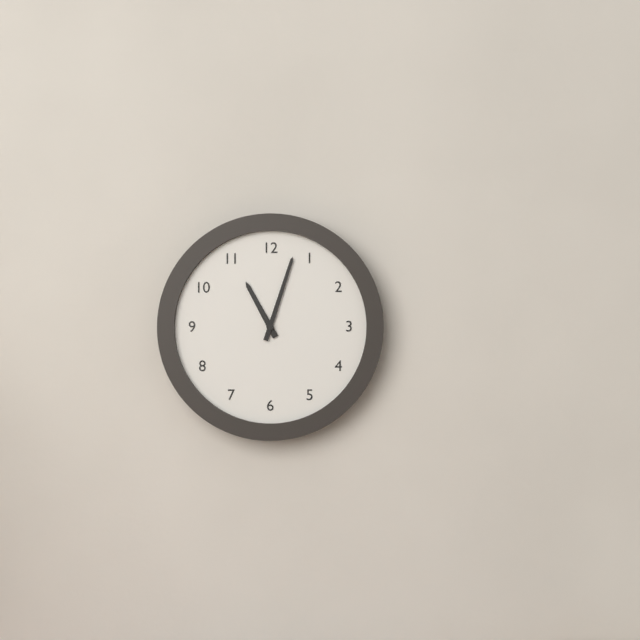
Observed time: 11:03
